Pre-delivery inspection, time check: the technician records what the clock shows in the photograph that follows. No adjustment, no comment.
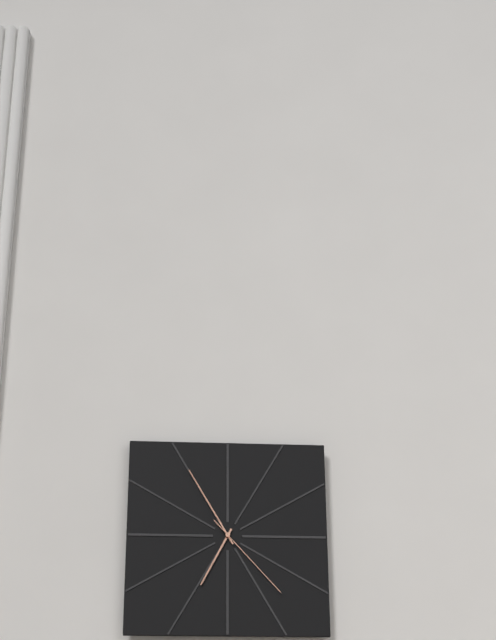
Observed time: 6:55:23
